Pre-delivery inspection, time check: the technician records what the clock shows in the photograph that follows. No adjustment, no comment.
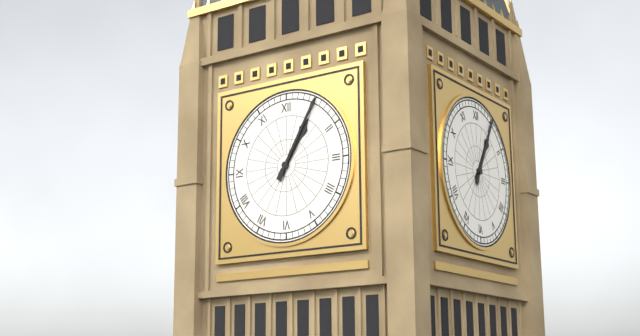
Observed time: 1:05
